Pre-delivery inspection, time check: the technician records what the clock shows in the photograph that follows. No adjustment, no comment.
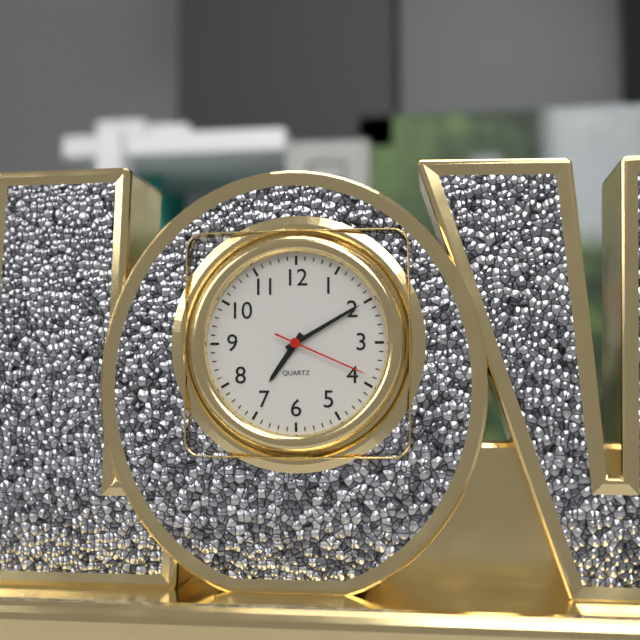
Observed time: 7:10:19
